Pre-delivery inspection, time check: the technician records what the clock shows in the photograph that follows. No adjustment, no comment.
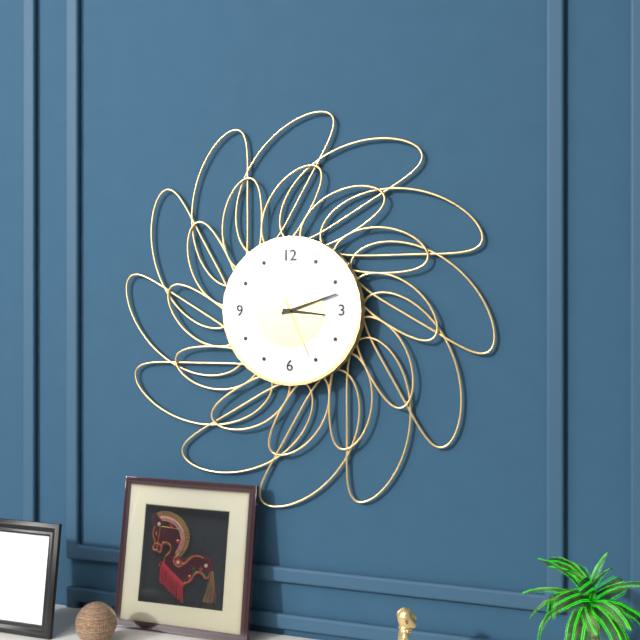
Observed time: 3:12:26
